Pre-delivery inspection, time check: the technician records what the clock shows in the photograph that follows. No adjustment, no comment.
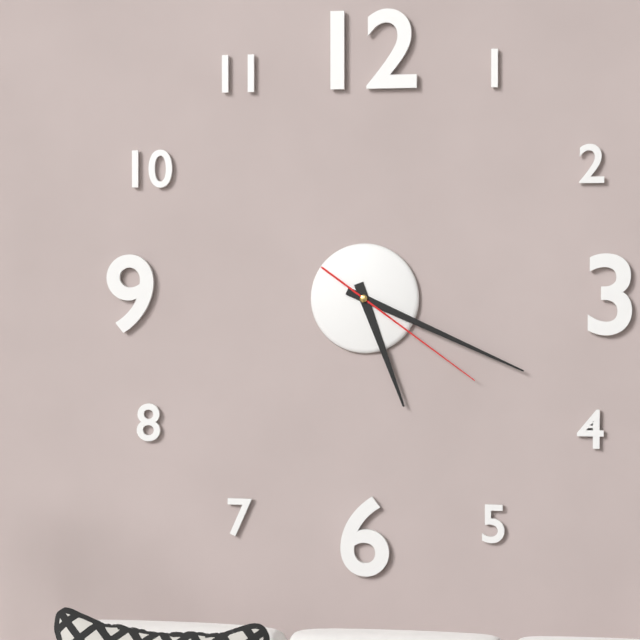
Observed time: 5:19:21
